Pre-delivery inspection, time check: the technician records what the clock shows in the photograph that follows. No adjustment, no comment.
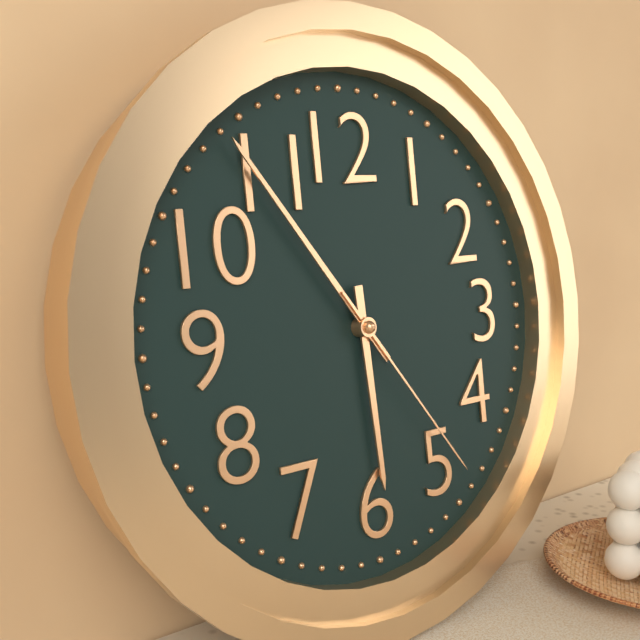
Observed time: 5:54:24
